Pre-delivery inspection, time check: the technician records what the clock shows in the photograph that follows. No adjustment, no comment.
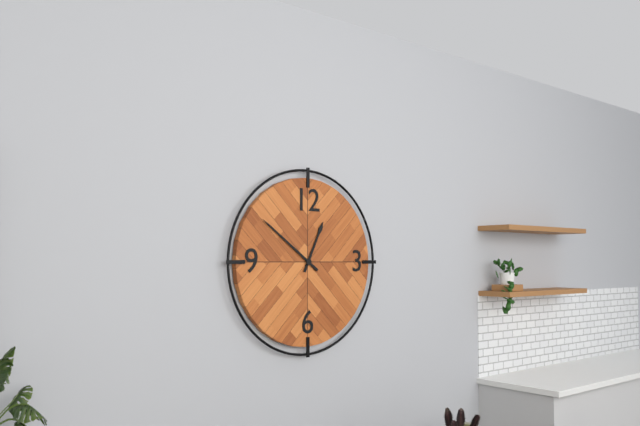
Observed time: 12:51
